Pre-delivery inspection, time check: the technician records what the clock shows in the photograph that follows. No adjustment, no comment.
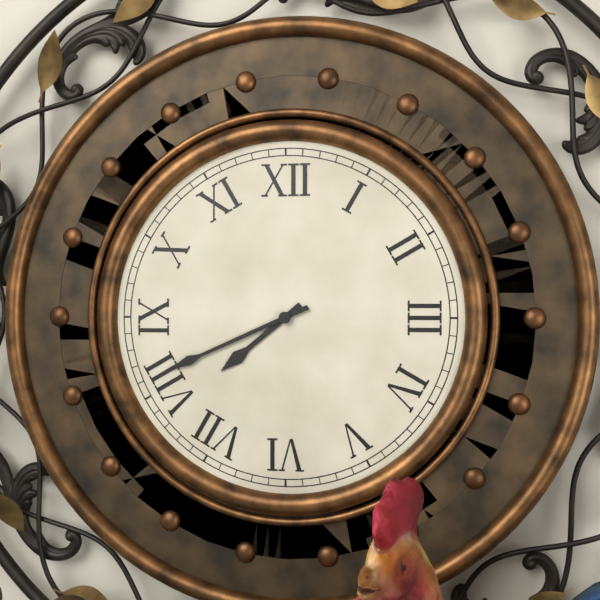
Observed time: 7:41
